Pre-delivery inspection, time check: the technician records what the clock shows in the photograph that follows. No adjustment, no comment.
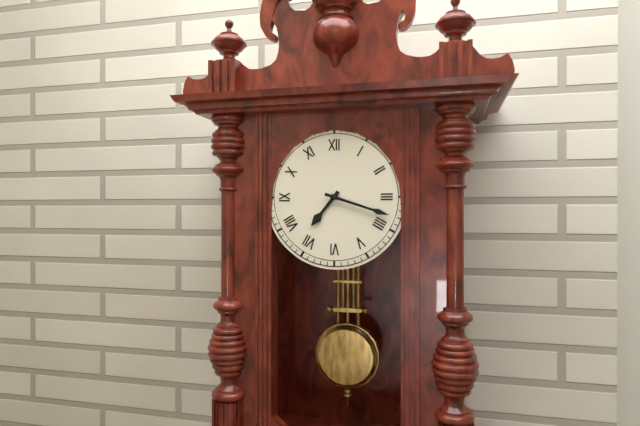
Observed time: 7:18
